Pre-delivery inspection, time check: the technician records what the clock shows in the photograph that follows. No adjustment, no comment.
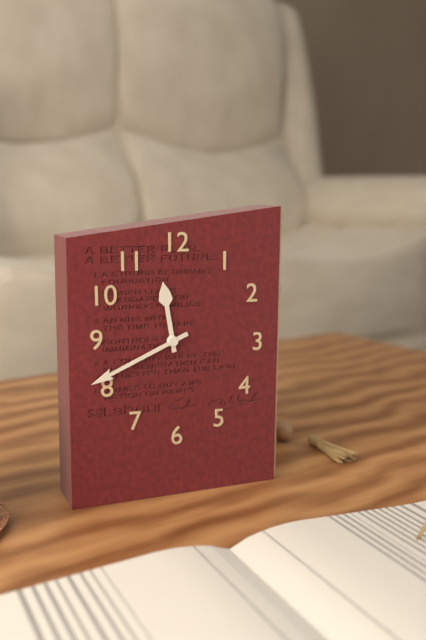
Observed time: 11:41
